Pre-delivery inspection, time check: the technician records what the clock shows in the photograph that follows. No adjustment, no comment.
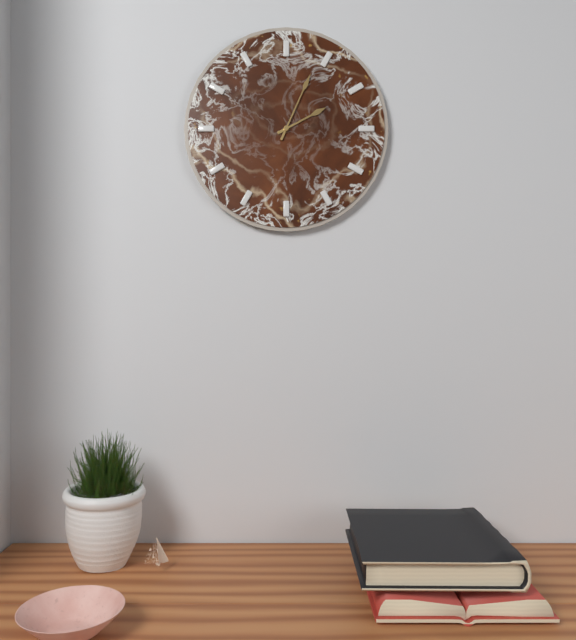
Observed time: 2:04
